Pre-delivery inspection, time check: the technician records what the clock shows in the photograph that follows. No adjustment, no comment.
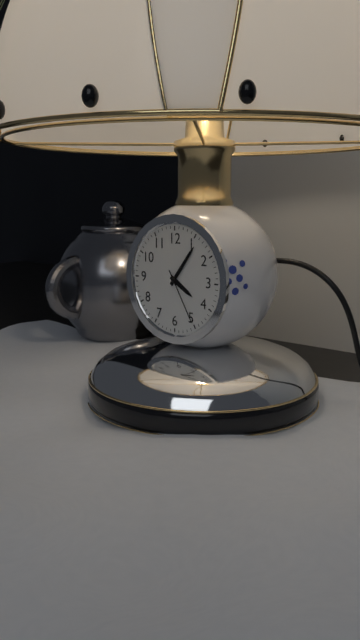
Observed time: 4:06:25
